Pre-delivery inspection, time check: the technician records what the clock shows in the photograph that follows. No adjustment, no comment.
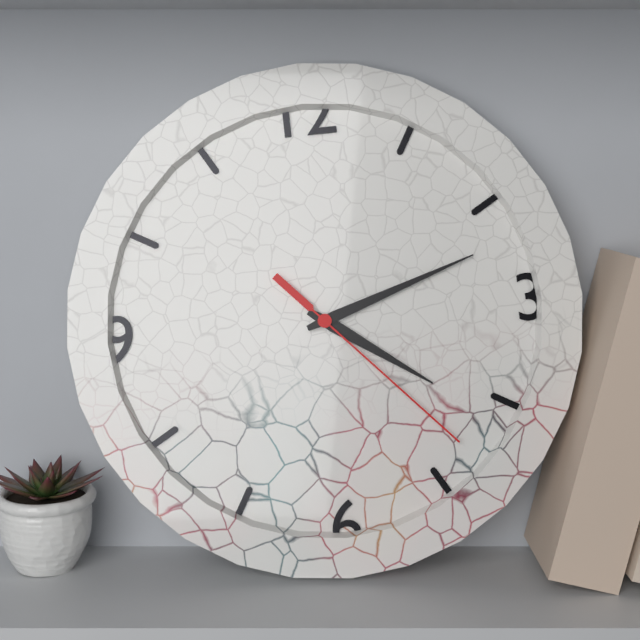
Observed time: 4:12:23
